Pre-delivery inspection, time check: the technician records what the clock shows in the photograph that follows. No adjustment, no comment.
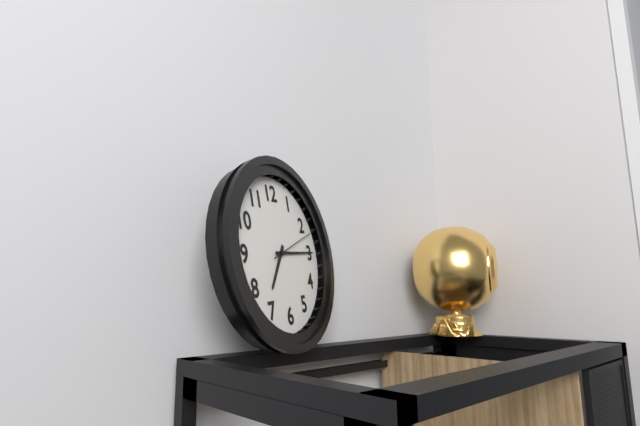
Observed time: 7:15
